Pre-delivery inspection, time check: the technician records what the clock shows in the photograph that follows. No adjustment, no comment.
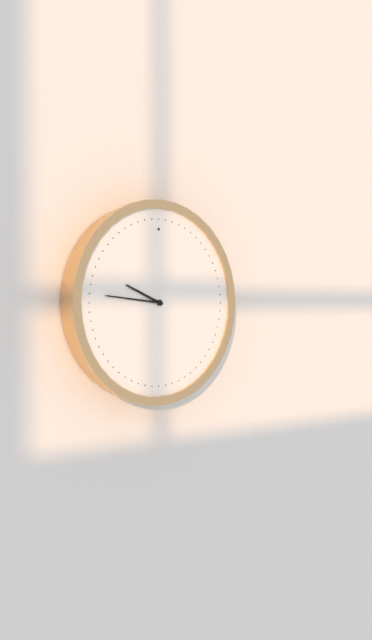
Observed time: 9:46
